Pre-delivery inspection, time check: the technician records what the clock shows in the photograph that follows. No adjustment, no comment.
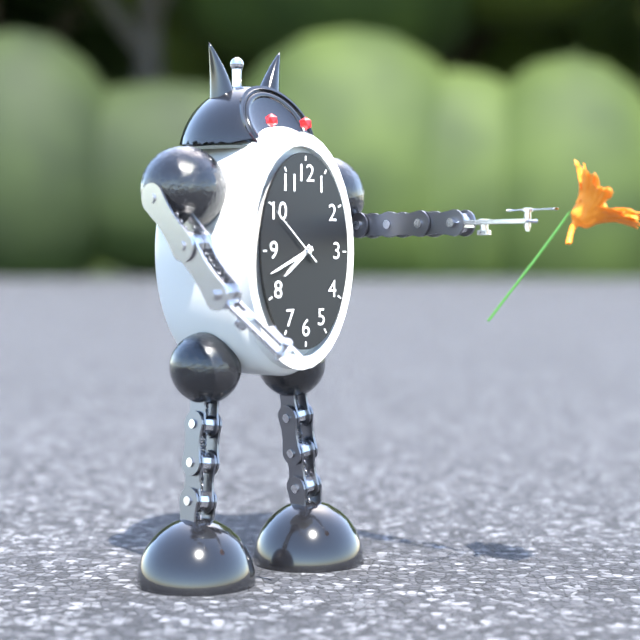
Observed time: 7:41:52
